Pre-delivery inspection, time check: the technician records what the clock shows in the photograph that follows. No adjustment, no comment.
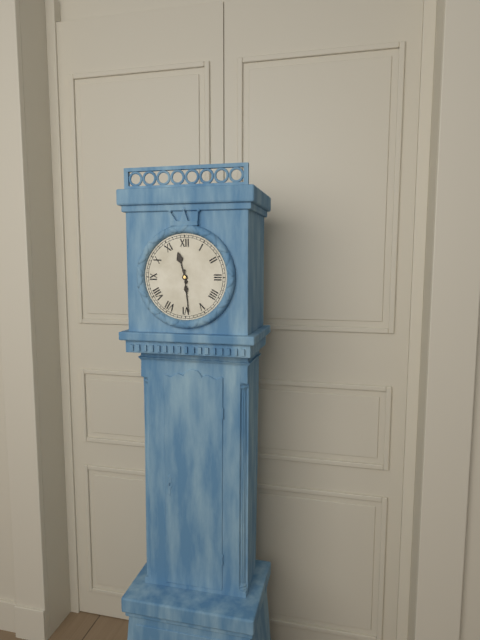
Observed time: 11:29
